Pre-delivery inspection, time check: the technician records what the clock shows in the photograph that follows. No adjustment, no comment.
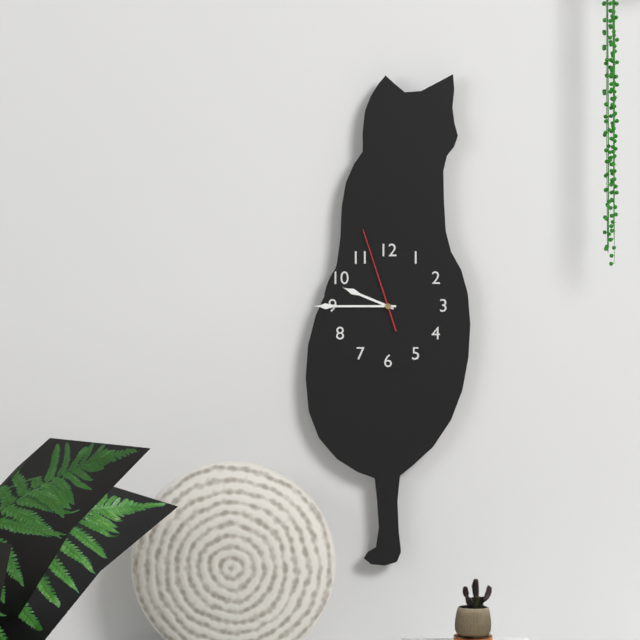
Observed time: 9:45:57
